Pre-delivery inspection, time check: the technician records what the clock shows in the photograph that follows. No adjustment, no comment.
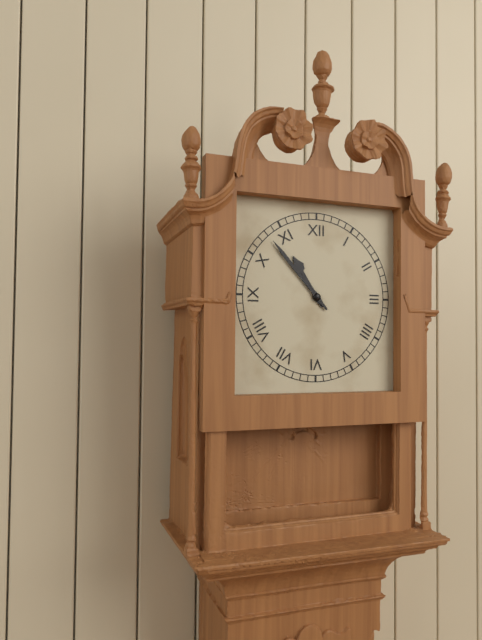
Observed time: 10:53
